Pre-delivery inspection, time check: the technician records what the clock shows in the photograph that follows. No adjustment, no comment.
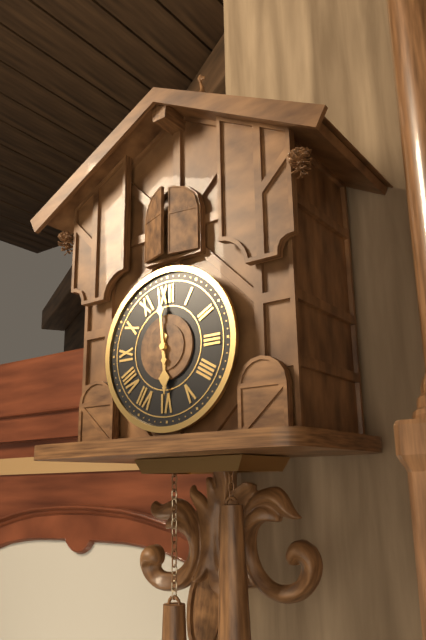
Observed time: 5:59
